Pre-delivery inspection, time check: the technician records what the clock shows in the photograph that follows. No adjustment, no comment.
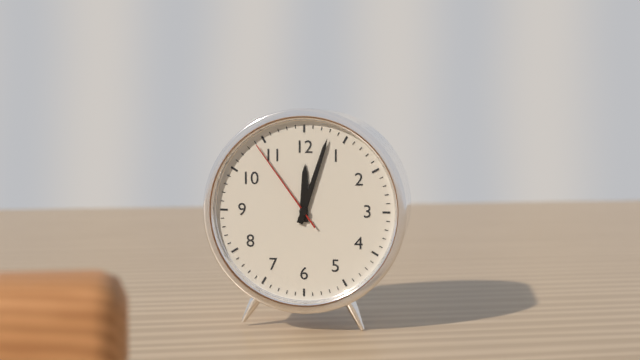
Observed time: 12:03:54
